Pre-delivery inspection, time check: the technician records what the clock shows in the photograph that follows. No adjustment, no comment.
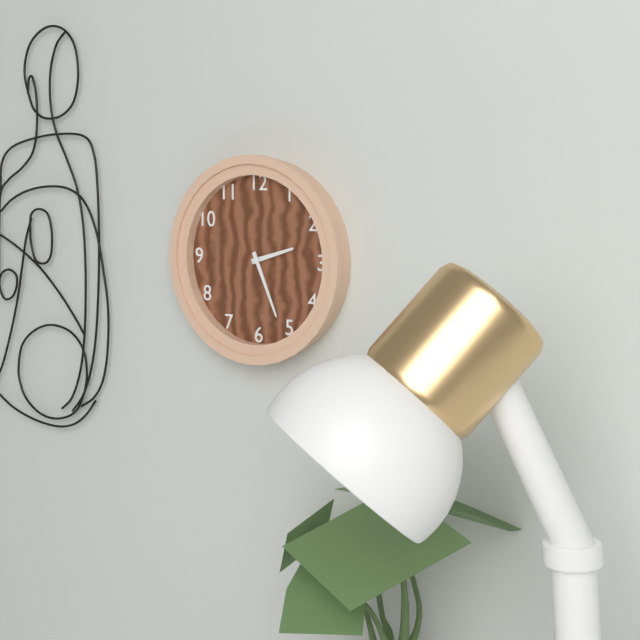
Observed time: 2:26
